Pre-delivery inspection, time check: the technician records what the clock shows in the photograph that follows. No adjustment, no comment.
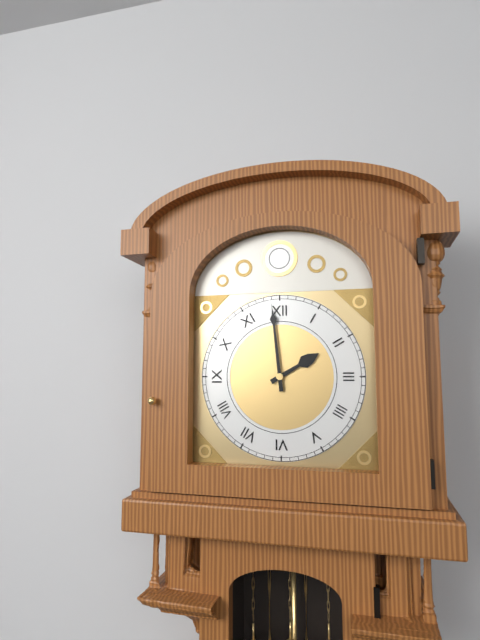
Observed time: 1:59
